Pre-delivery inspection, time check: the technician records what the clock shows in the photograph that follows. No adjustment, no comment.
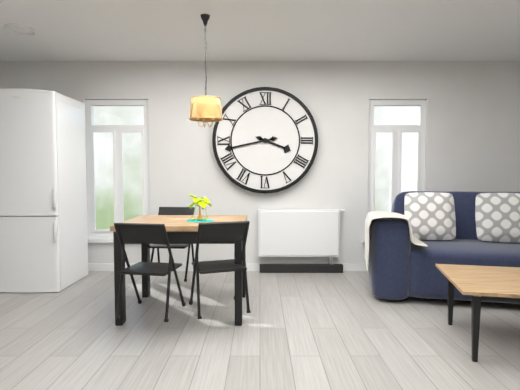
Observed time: 3:43
